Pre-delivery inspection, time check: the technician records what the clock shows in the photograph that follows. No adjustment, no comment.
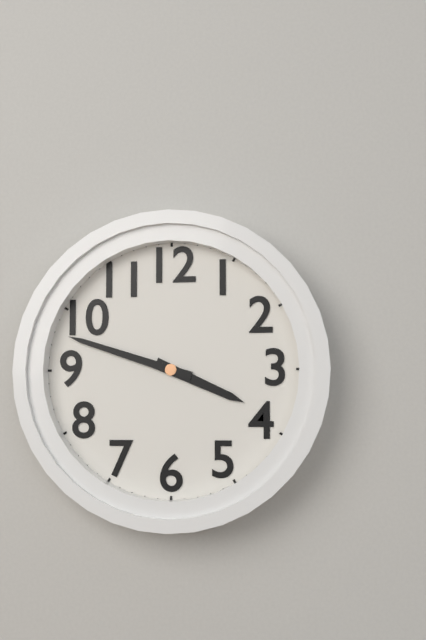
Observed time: 3:48
